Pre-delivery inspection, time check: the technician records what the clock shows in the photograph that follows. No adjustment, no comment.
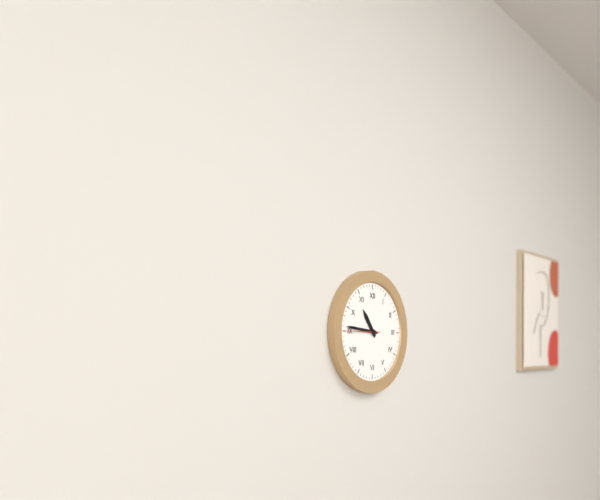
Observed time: 10:46
